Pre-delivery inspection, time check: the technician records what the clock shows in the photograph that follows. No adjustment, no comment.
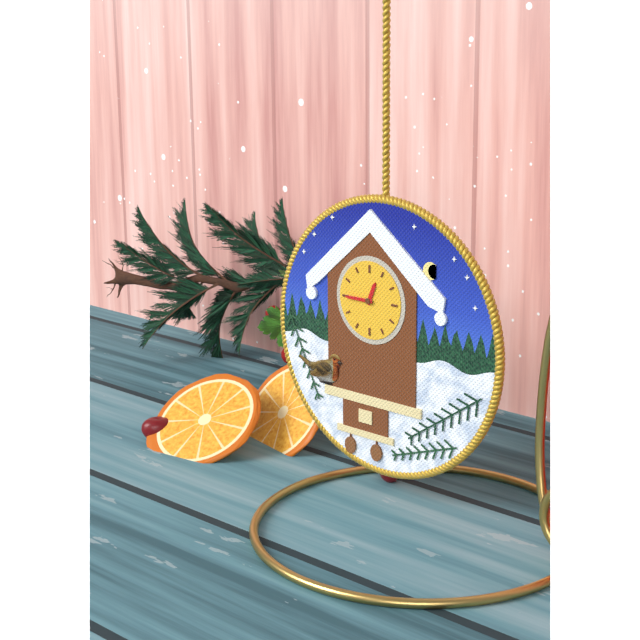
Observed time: 12:45
